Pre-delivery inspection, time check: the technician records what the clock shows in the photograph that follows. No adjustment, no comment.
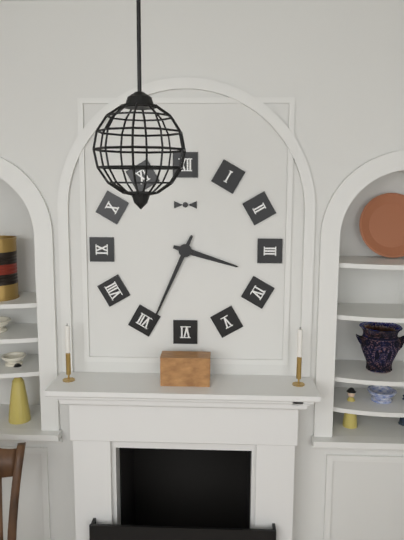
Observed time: 3:34
